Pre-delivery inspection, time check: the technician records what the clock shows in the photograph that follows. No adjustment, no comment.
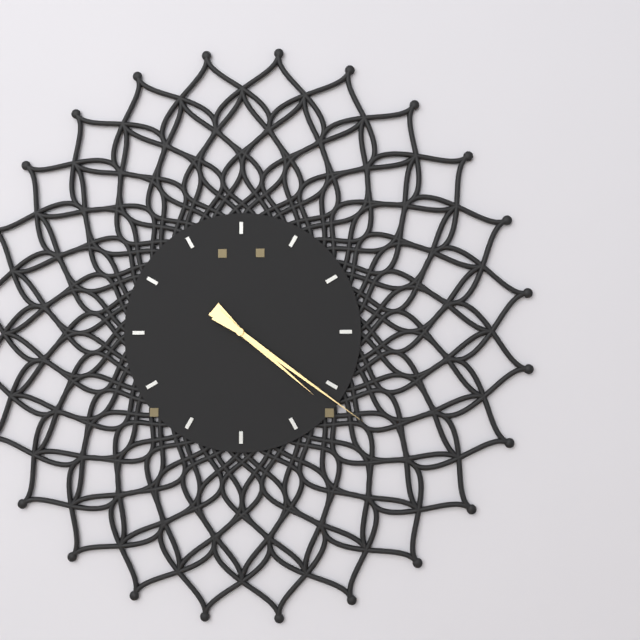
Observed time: 4:21
